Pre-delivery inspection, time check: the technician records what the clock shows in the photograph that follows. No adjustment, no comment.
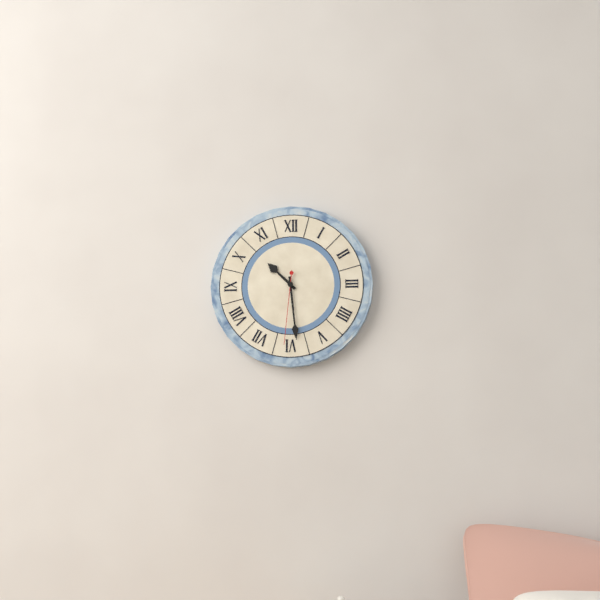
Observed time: 10:29:31
